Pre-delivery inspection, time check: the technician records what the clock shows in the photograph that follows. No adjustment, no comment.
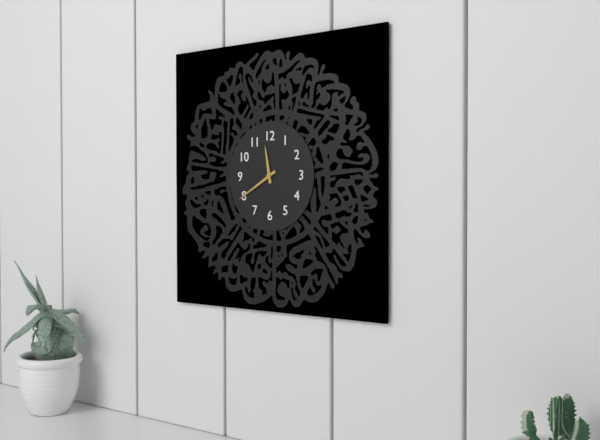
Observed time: 11:40
